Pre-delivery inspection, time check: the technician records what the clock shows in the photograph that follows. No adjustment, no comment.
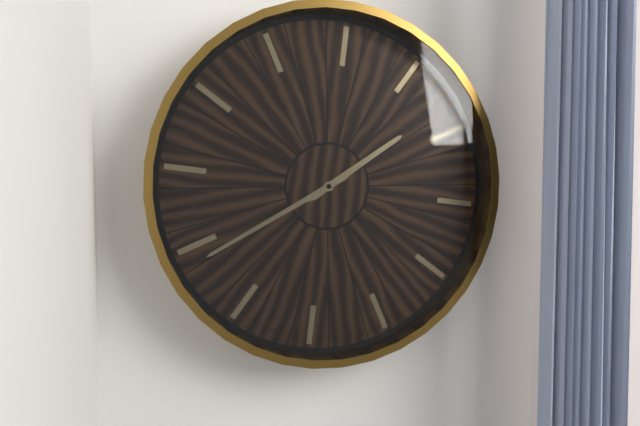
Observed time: 1:39
